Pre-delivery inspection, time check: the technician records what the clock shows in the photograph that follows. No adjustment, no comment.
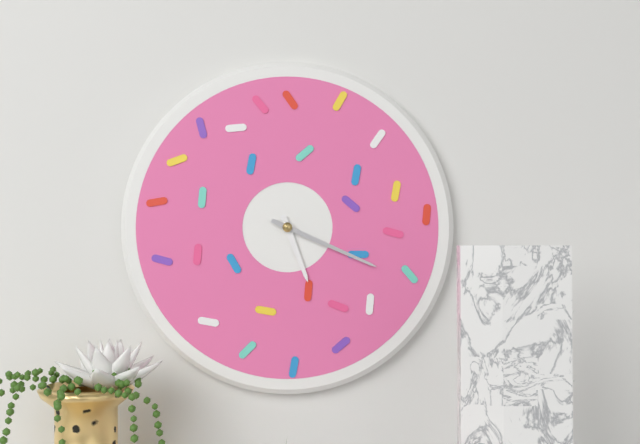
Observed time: 5:19
